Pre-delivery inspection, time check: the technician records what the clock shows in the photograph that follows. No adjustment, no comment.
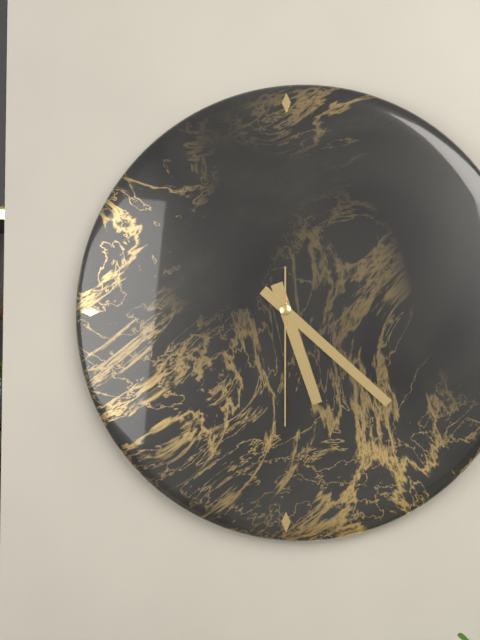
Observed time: 5:22:30
